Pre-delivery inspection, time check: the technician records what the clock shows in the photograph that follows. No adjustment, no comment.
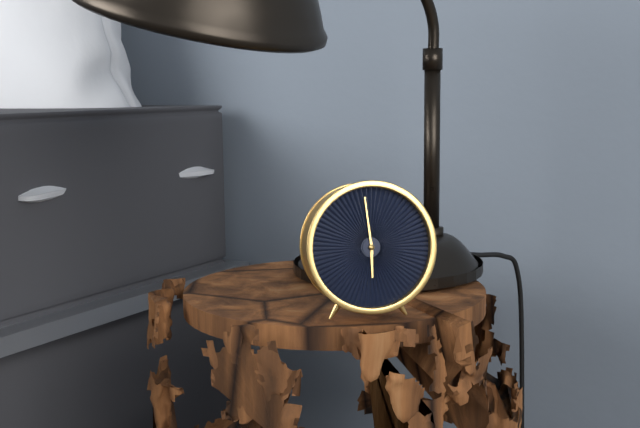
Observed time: 5:59
